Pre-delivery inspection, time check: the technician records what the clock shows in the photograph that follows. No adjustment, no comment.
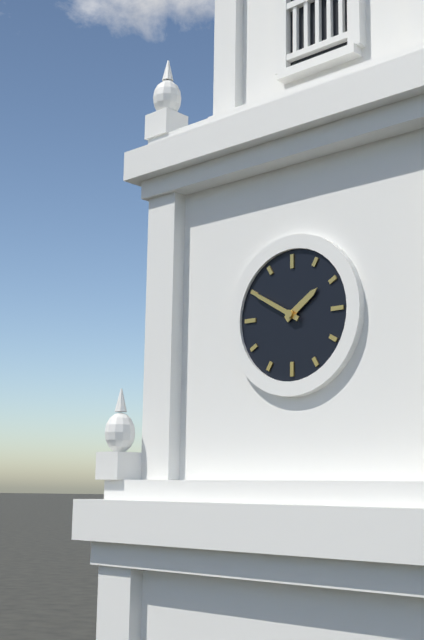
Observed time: 1:50
